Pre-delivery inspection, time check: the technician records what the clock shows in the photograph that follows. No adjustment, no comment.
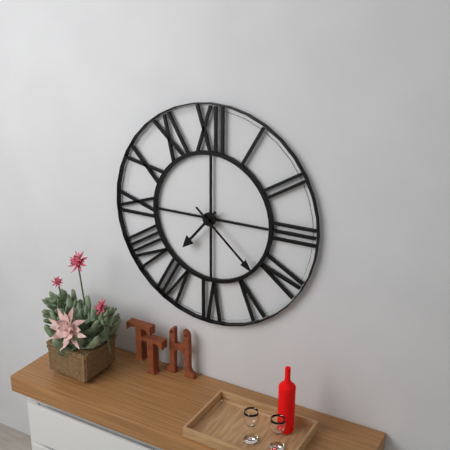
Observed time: 7:22
